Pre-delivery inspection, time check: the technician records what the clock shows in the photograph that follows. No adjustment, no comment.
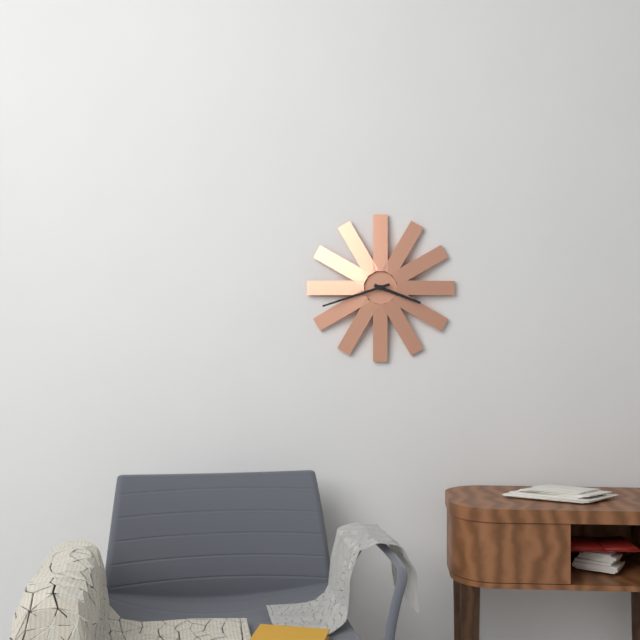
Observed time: 3:42
